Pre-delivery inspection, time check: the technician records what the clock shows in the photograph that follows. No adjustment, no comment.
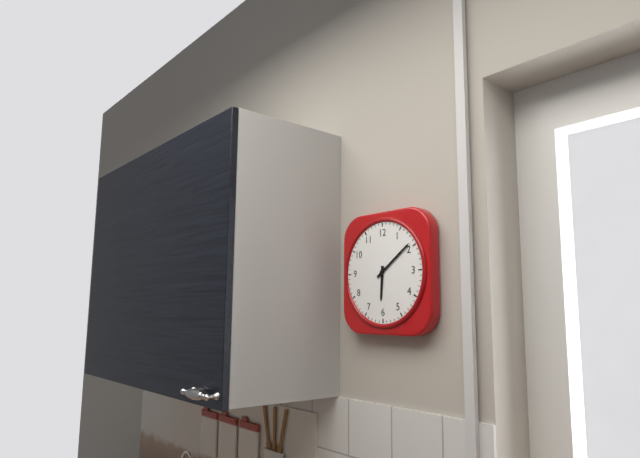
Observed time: 6:09
